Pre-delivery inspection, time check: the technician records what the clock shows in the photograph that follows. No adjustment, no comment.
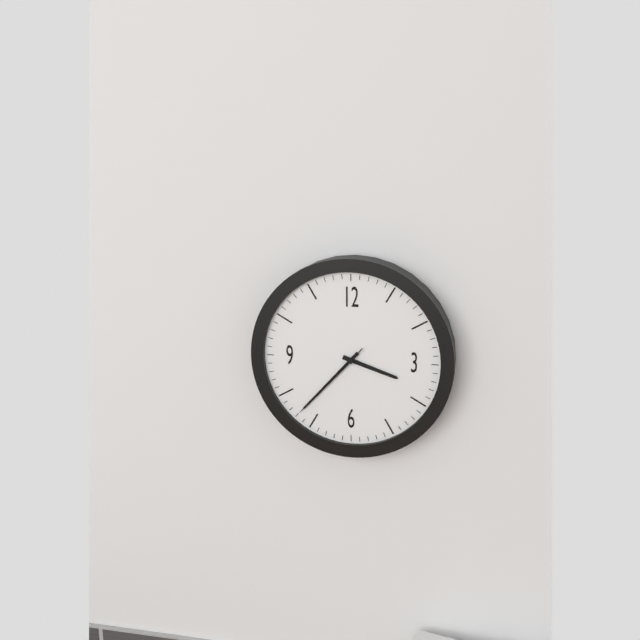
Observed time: 3:37:37
